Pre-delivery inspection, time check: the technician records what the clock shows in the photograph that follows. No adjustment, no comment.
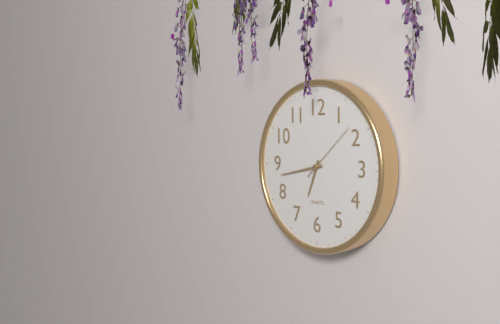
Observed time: 6:43:08
